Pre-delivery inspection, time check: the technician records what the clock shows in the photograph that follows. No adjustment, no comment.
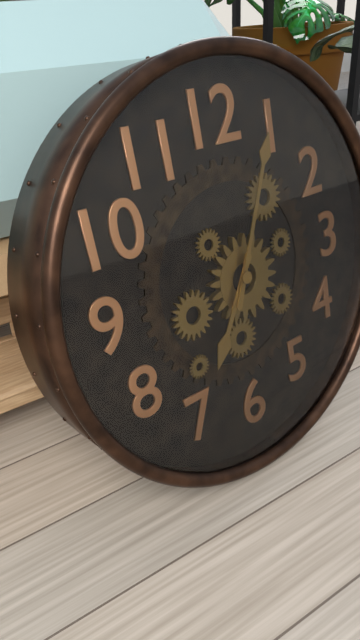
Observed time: 7:04
